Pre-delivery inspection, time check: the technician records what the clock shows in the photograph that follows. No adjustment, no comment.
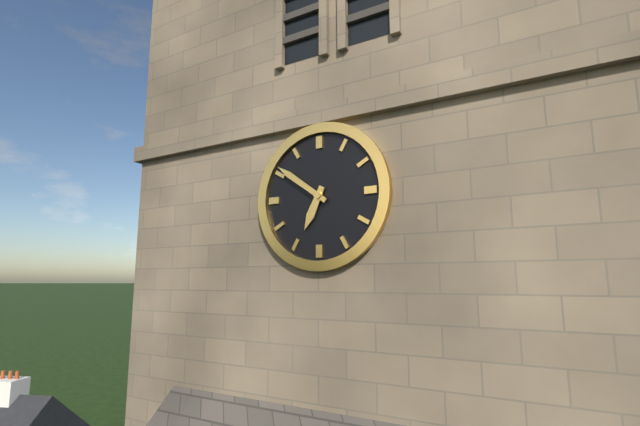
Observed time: 6:51
